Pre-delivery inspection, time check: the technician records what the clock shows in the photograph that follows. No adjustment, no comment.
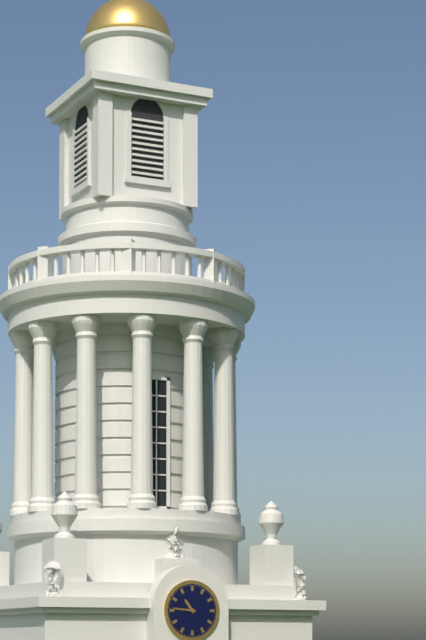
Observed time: 10:46
